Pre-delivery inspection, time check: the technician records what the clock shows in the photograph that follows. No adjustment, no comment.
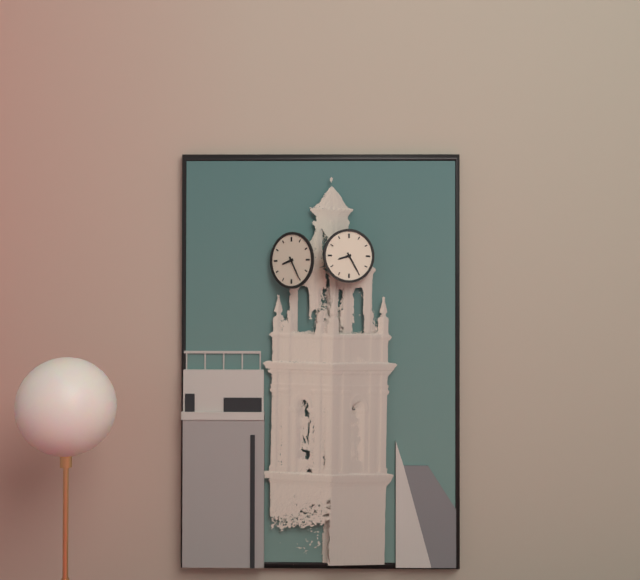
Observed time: 8:25
